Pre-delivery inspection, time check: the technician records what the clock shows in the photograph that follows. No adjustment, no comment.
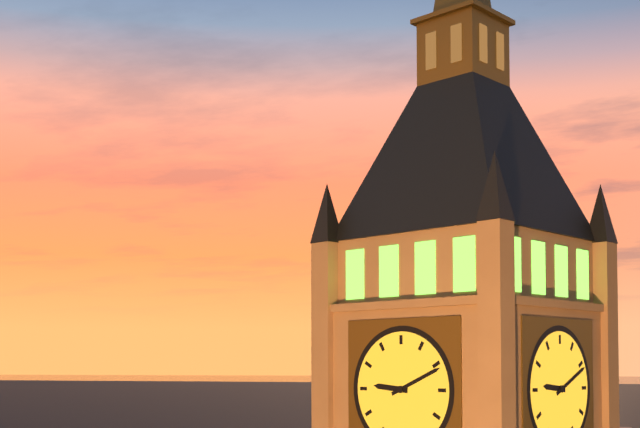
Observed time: 9:11
